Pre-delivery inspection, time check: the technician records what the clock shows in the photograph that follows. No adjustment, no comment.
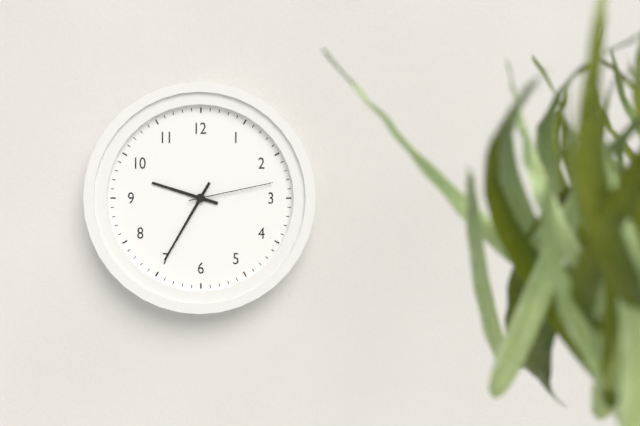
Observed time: 9:35:13
